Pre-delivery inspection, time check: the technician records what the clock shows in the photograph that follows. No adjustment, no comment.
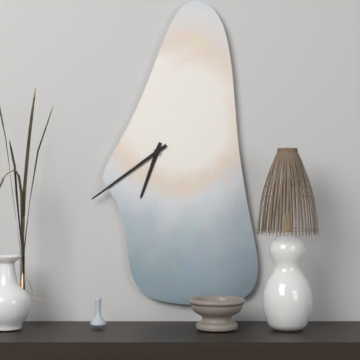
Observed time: 6:39
